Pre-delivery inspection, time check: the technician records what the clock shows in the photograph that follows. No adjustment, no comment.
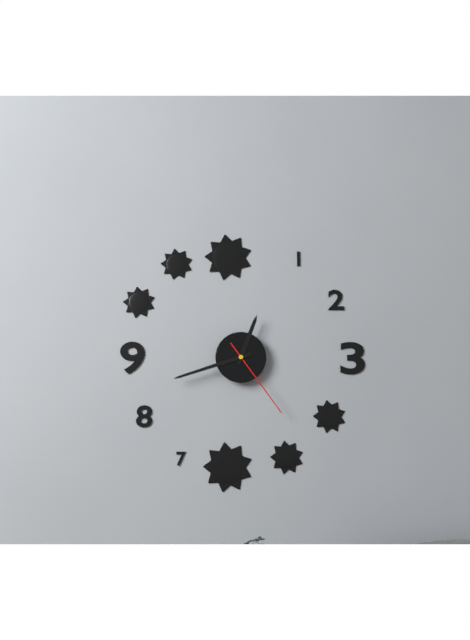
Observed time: 12:42:24
